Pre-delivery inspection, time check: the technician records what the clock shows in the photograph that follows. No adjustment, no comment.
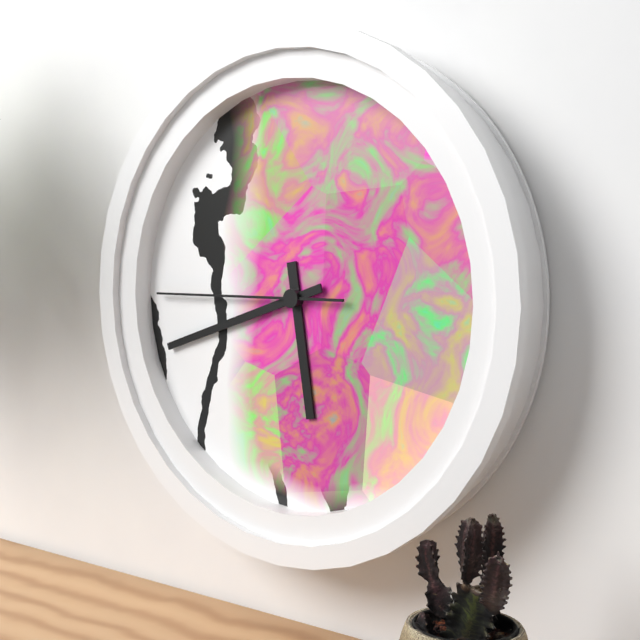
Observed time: 5:42:45
